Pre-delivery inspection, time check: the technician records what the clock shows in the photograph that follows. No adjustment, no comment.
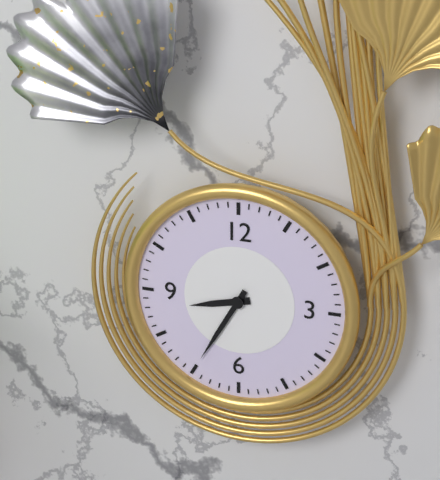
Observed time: 8:35
